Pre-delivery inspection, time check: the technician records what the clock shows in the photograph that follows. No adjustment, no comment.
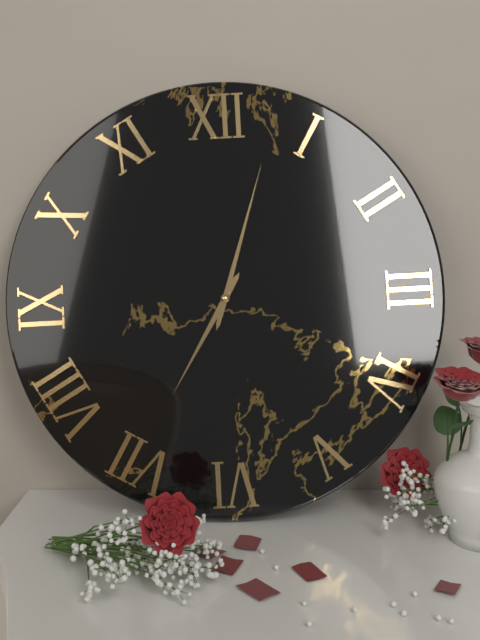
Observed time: 7:03
